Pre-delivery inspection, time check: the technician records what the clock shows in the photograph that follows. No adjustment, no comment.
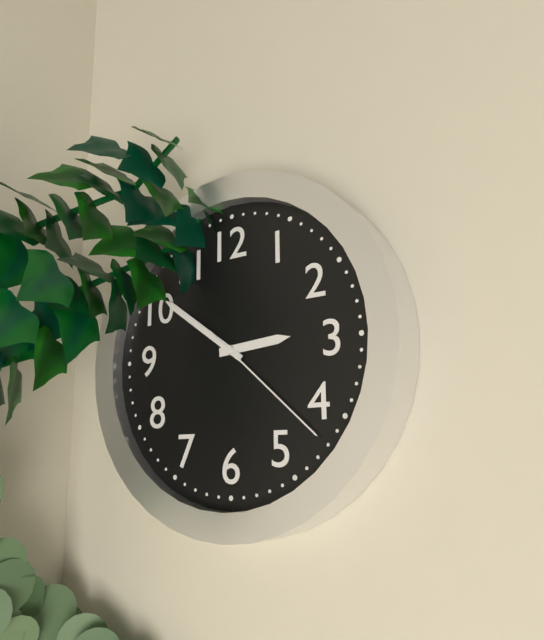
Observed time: 2:51:22
